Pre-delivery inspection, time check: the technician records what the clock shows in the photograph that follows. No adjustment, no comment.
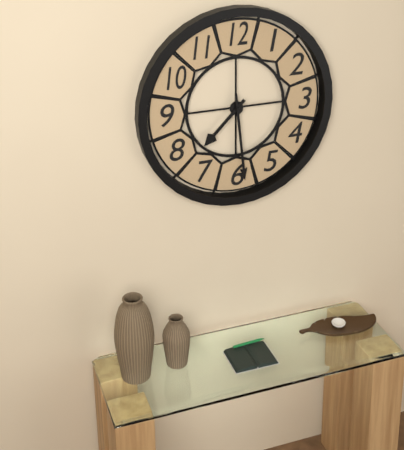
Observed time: 7:29
